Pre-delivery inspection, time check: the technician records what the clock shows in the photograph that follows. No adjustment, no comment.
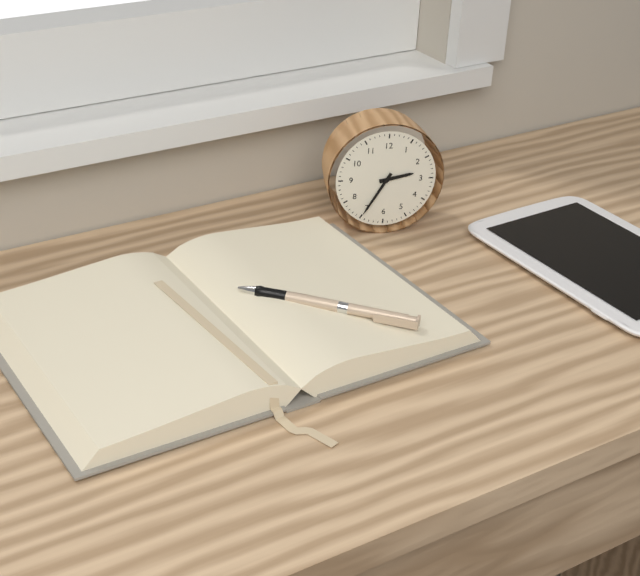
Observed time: 2:35
